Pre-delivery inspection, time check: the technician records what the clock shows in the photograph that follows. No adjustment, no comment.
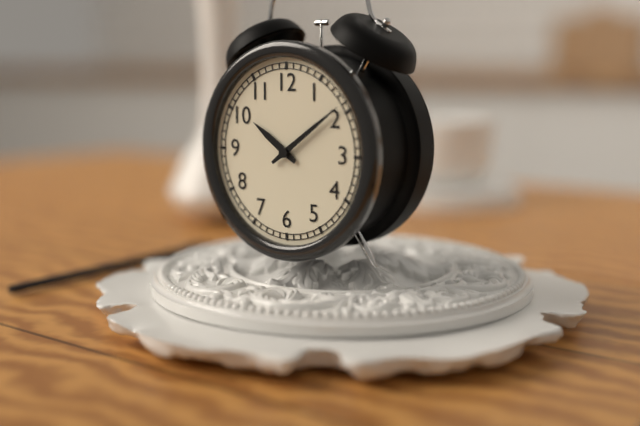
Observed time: 10:09
